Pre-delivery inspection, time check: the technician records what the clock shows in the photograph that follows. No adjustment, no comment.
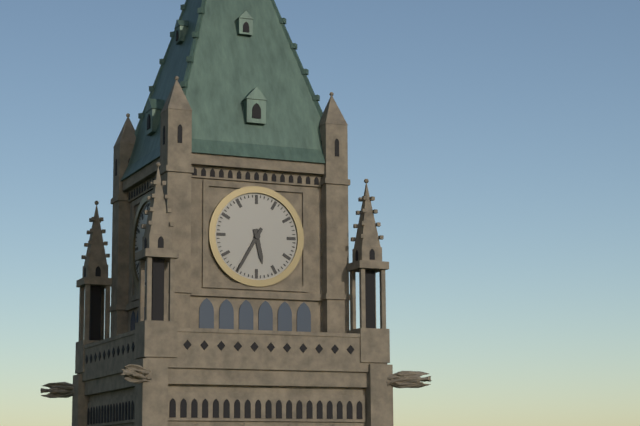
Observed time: 5:35
